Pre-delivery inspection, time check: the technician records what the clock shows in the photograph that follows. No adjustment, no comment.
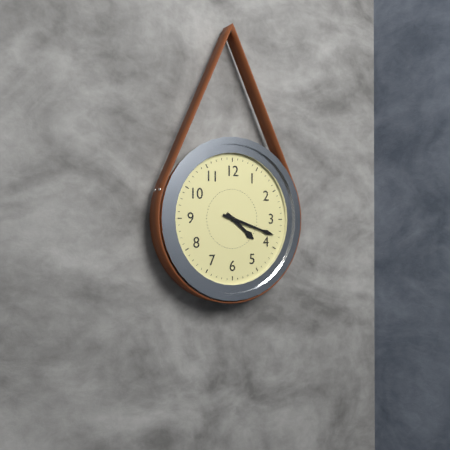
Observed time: 4:18
